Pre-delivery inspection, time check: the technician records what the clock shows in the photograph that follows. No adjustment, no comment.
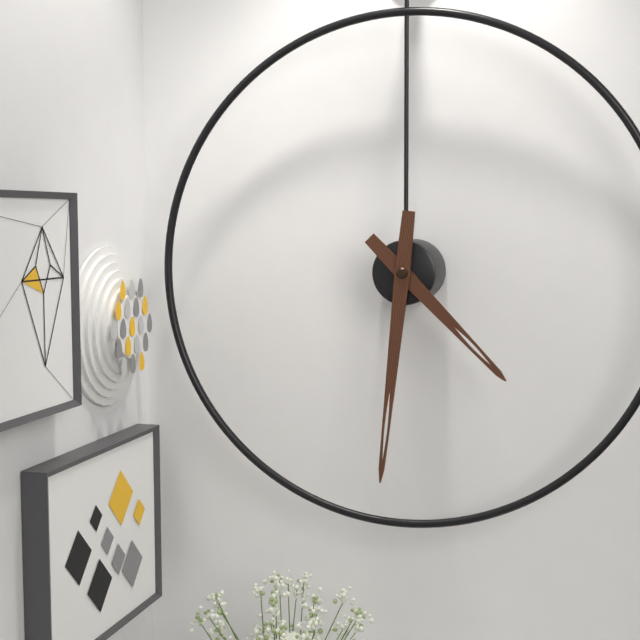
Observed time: 4:31
